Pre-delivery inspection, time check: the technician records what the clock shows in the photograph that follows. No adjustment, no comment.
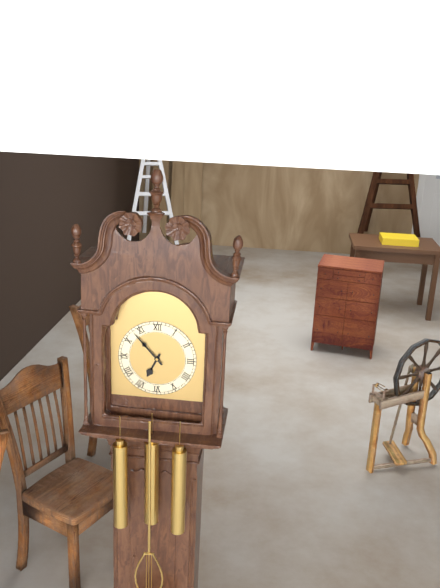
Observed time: 6:53
